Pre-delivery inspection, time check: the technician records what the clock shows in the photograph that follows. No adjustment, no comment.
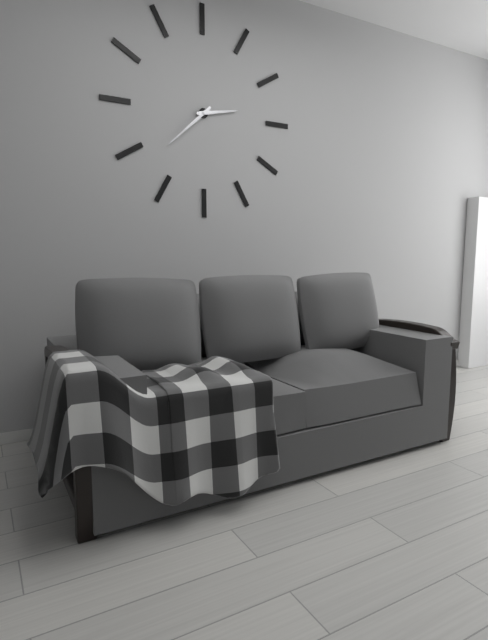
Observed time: 2:38
